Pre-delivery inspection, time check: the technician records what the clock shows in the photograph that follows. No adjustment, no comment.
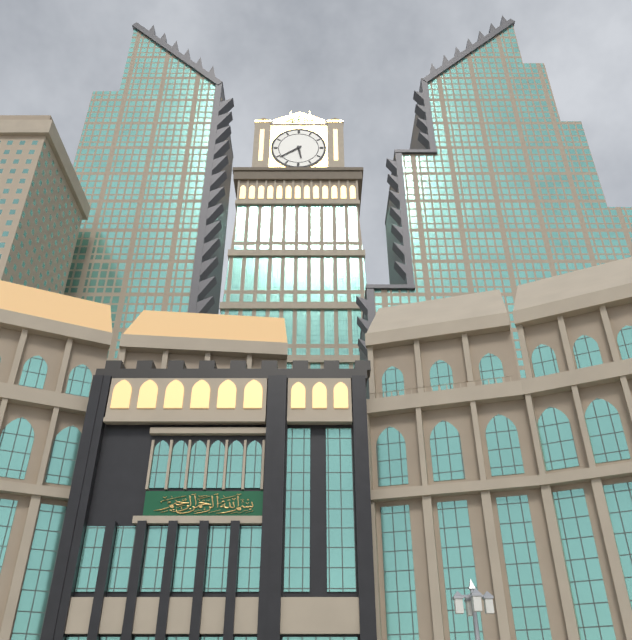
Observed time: 5:39
